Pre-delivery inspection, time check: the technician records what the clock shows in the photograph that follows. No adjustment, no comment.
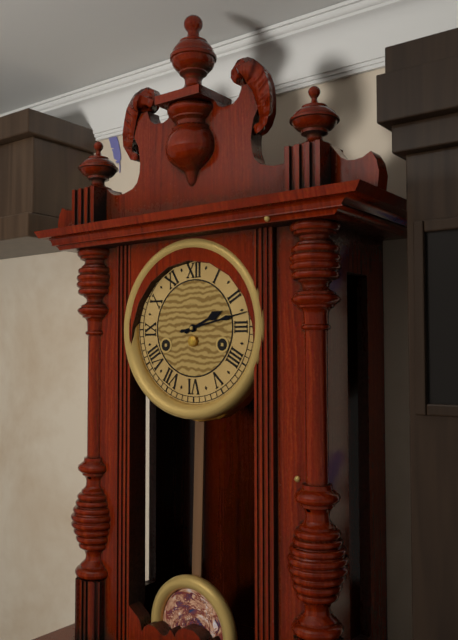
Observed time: 2:13
